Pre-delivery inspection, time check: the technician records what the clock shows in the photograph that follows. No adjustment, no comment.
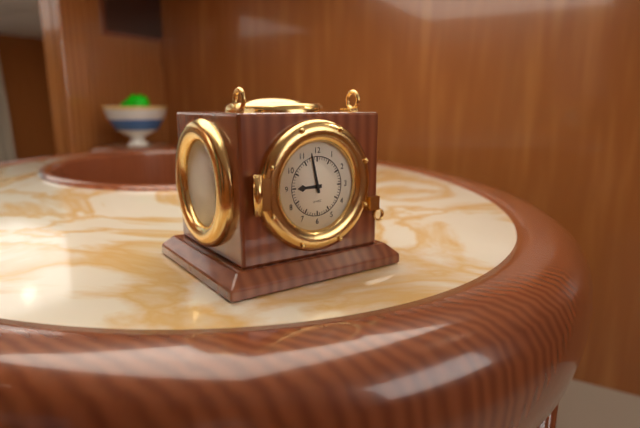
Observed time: 8:58
